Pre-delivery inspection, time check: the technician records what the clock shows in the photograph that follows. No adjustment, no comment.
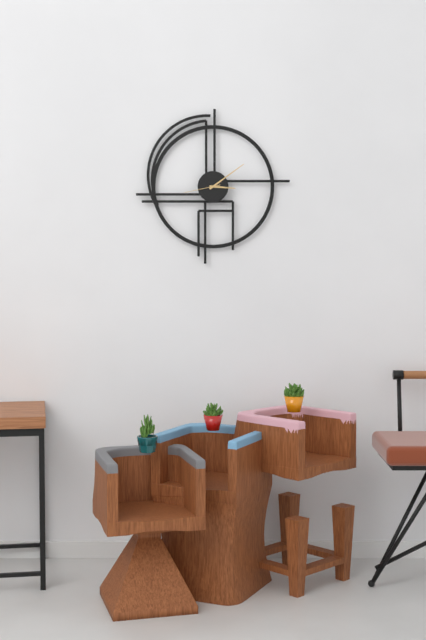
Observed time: 3:09
